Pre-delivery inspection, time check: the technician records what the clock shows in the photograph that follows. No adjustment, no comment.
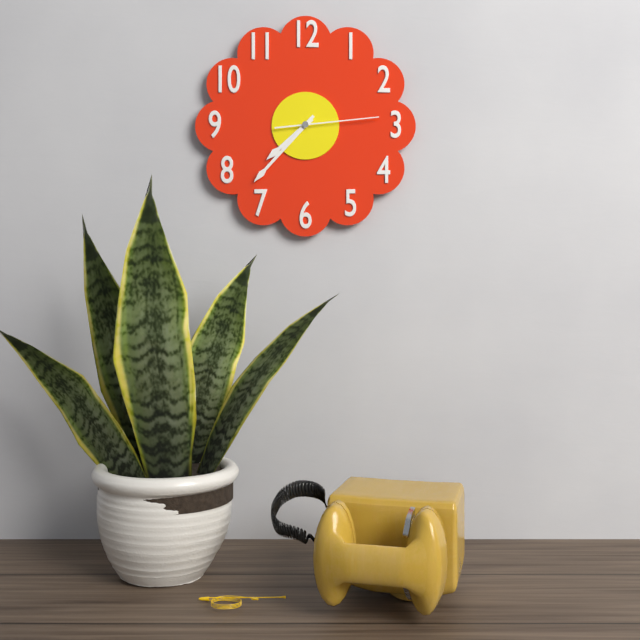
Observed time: 7:37:14
